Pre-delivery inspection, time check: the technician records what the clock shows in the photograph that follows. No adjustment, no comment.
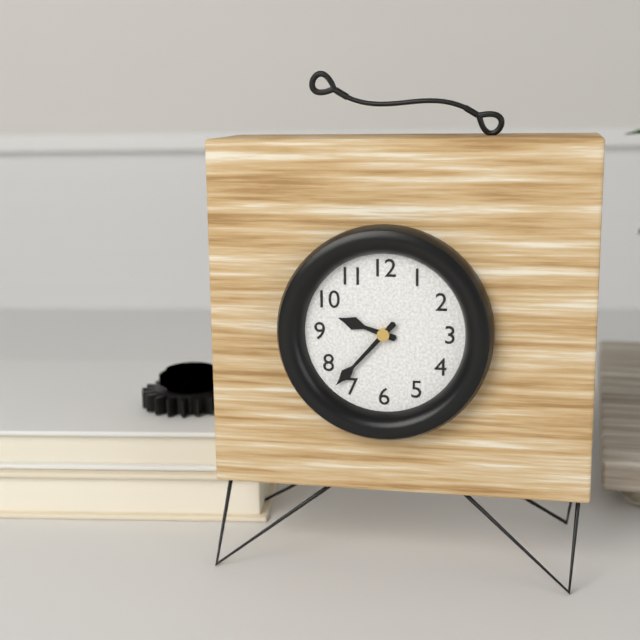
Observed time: 9:37
